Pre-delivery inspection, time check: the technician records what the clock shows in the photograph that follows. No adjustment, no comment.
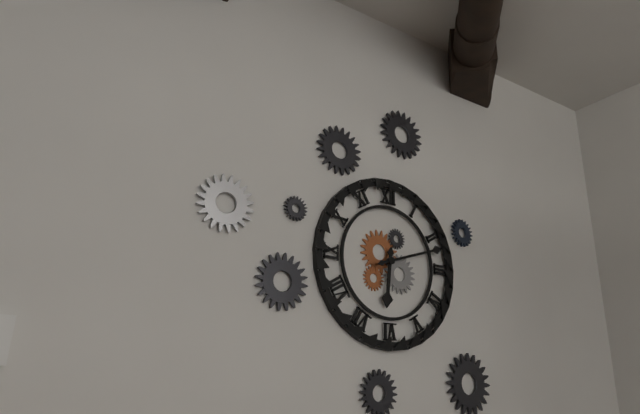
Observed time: 6:12
